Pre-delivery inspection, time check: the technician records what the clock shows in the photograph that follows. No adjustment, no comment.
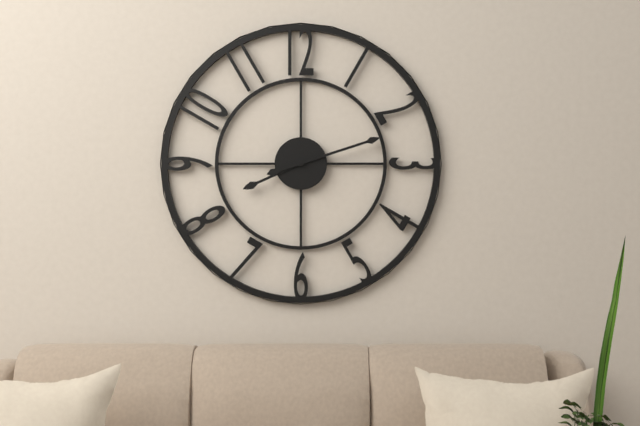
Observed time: 8:12
